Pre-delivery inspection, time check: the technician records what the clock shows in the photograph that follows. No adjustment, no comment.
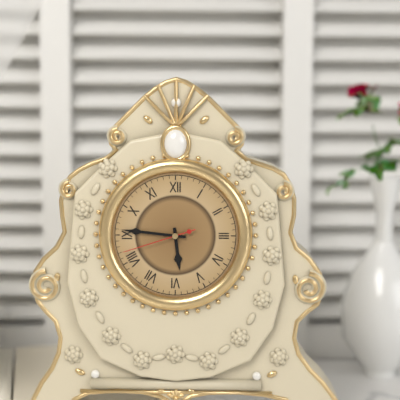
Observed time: 5:46:42
